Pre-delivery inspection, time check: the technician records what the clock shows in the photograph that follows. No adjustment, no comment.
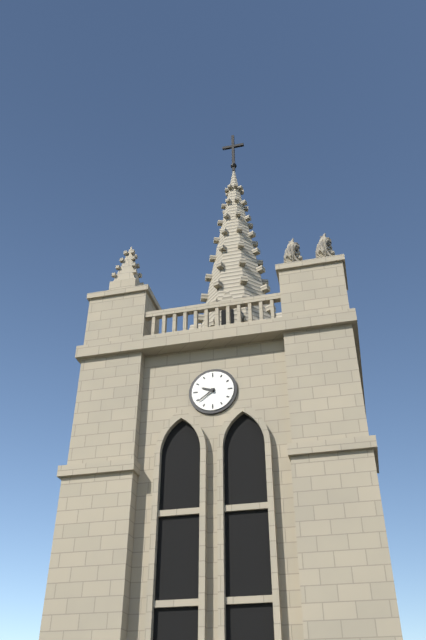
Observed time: 9:39
